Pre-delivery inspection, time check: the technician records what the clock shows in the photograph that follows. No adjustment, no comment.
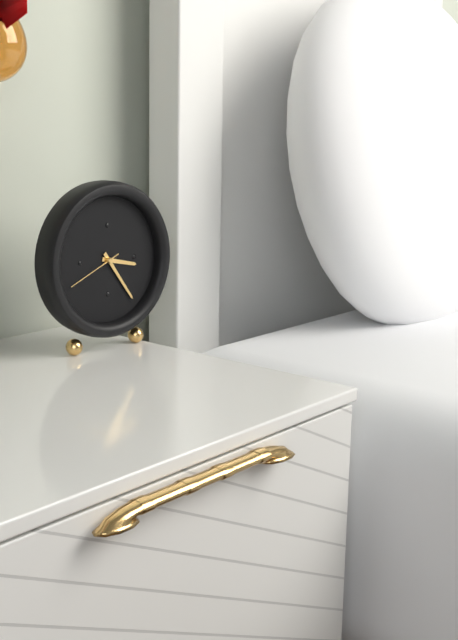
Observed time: 3:24:41
